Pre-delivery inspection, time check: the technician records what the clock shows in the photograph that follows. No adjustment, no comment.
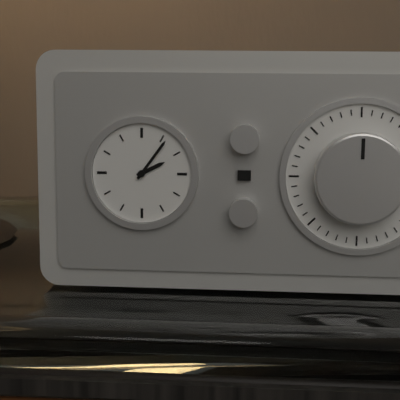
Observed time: 2:06
